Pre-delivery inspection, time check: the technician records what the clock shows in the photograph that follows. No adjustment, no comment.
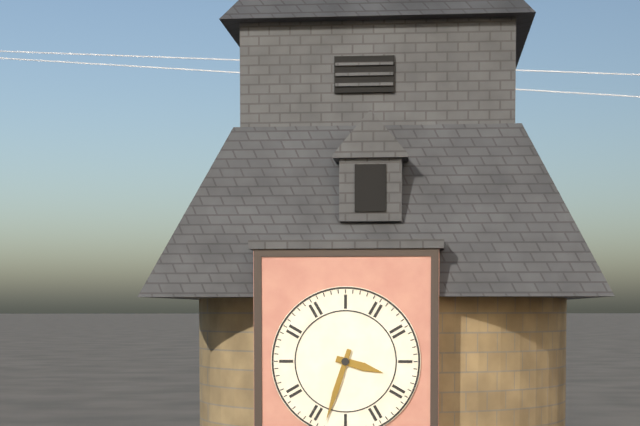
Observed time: 3:33
